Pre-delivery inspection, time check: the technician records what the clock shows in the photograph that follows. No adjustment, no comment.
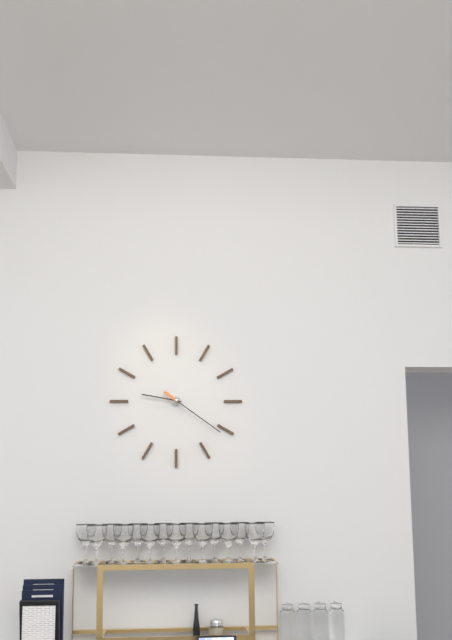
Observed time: 9:21
